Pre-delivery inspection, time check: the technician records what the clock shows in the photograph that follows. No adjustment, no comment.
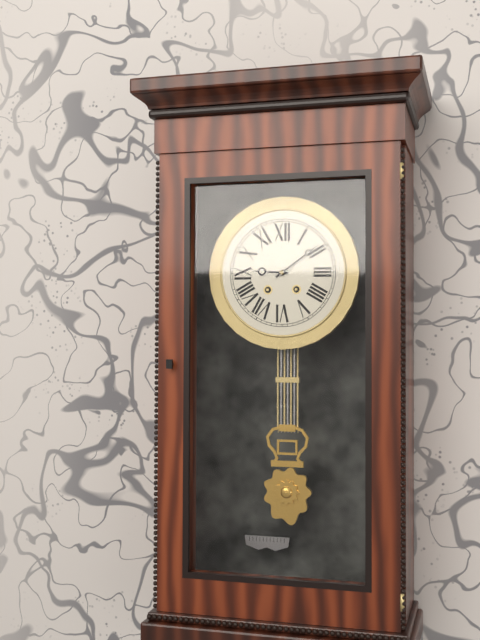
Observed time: 9:09
